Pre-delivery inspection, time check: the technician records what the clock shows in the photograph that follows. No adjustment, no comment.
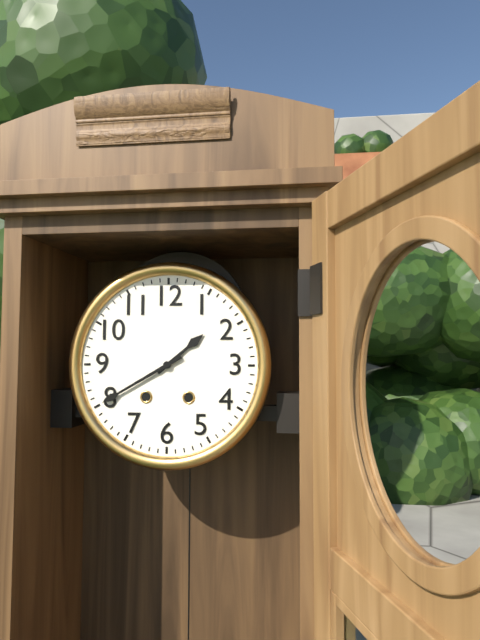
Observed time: 1:40
